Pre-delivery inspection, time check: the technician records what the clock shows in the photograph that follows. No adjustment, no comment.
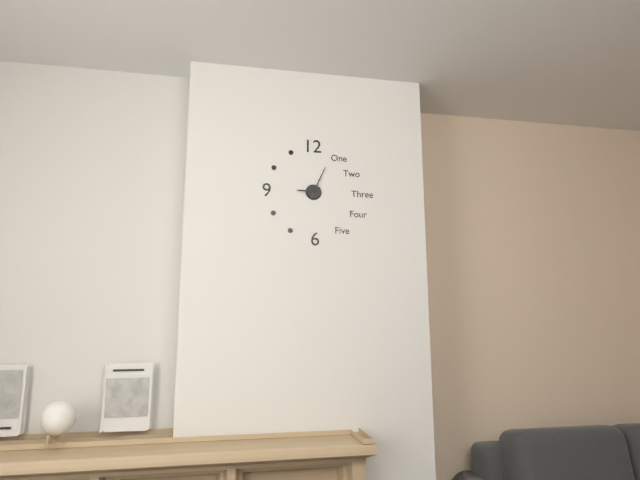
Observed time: 9:04
